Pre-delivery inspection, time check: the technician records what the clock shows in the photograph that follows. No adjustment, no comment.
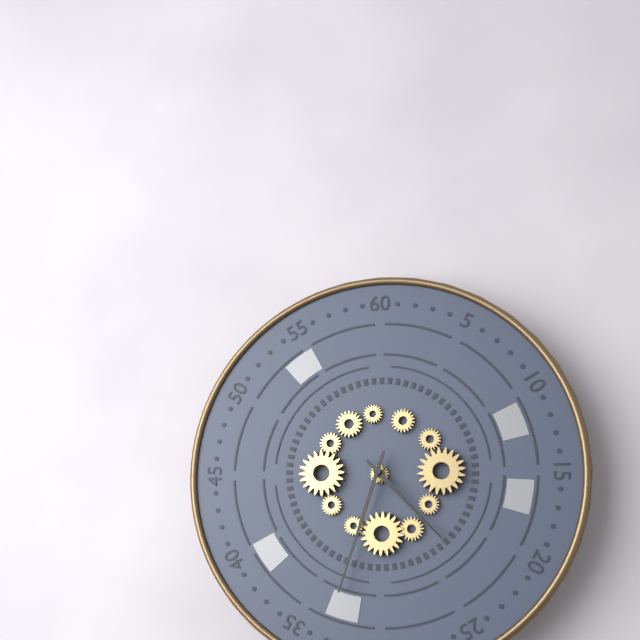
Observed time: 4:33
